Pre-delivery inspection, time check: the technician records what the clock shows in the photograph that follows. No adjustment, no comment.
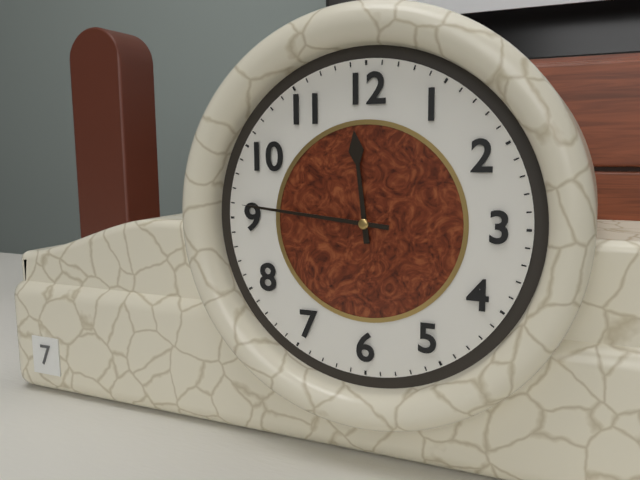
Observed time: 11:46
